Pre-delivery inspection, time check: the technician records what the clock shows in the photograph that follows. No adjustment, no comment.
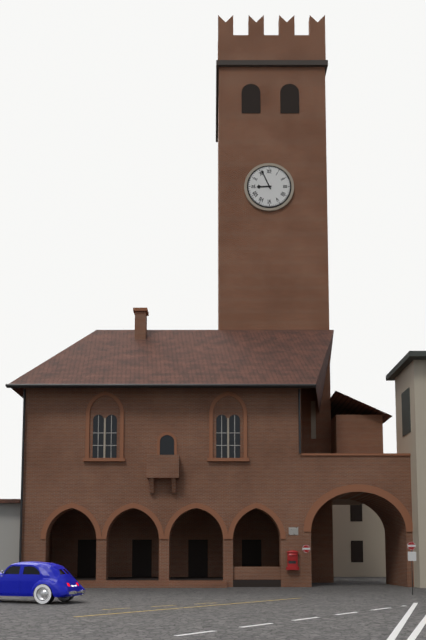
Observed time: 8:56
